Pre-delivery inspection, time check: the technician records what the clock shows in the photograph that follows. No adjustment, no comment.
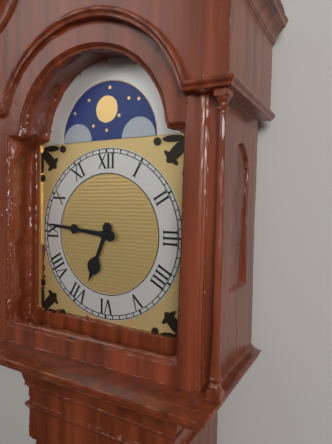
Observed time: 6:46
